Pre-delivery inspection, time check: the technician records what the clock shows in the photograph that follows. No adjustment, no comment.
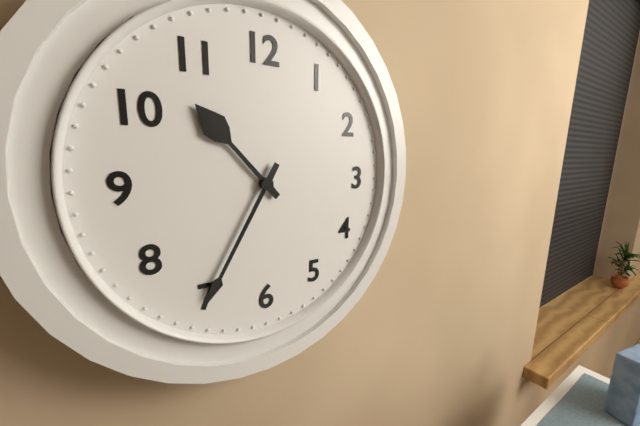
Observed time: 10:35
